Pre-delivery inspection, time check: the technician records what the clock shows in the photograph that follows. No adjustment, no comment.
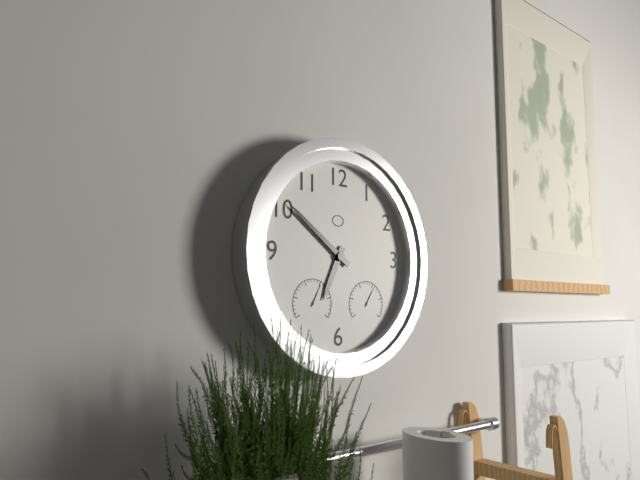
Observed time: 6:51
